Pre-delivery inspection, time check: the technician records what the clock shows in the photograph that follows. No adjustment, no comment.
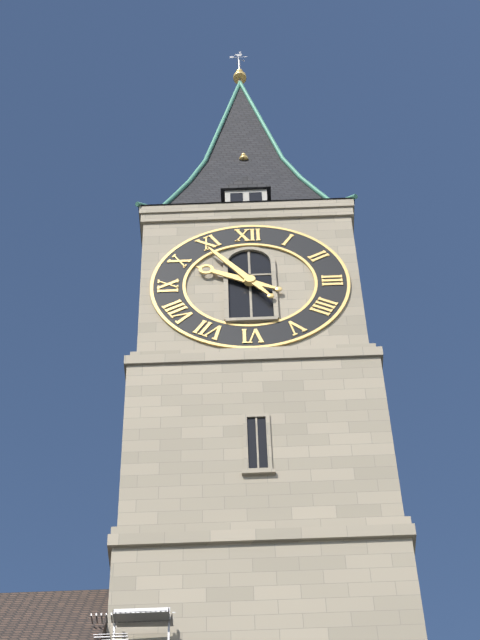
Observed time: 9:54
